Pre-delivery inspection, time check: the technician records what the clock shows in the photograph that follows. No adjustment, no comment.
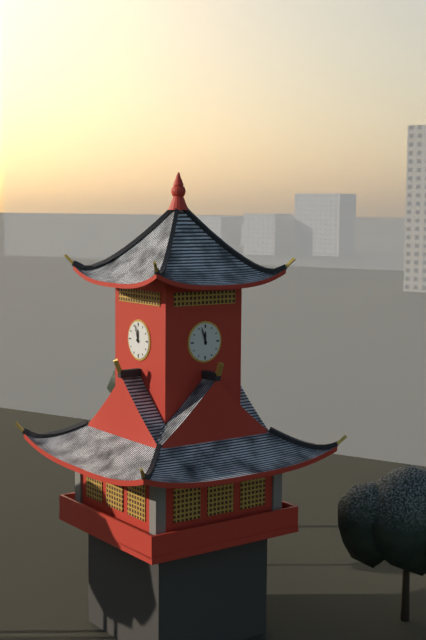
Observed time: 11:57
